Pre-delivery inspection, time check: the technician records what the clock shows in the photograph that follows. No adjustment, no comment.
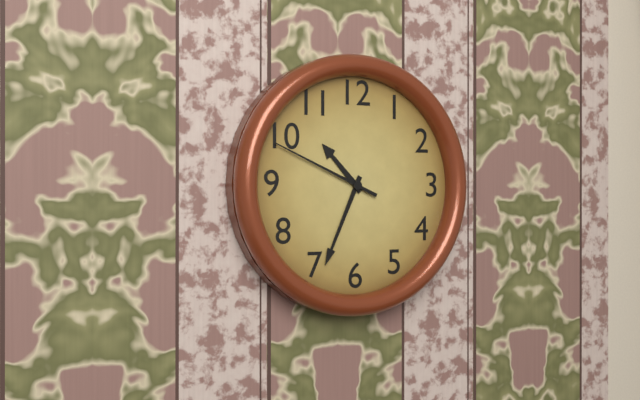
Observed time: 10:34:49
